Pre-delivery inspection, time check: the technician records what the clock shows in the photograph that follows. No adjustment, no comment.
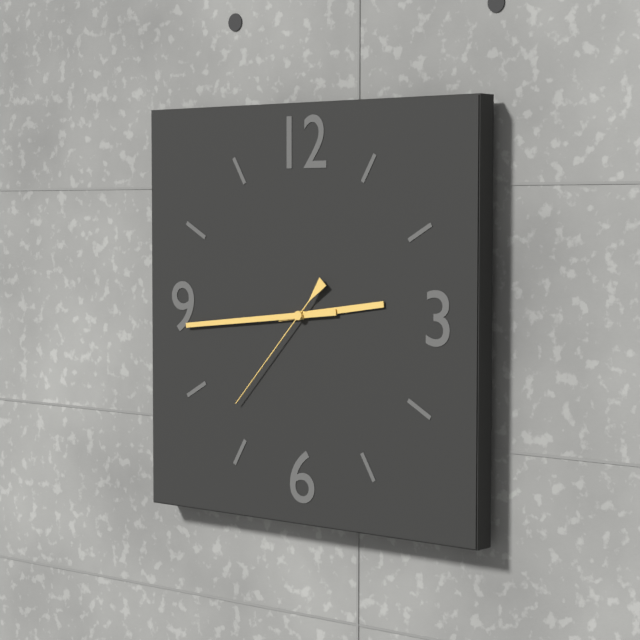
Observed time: 2:44:37
